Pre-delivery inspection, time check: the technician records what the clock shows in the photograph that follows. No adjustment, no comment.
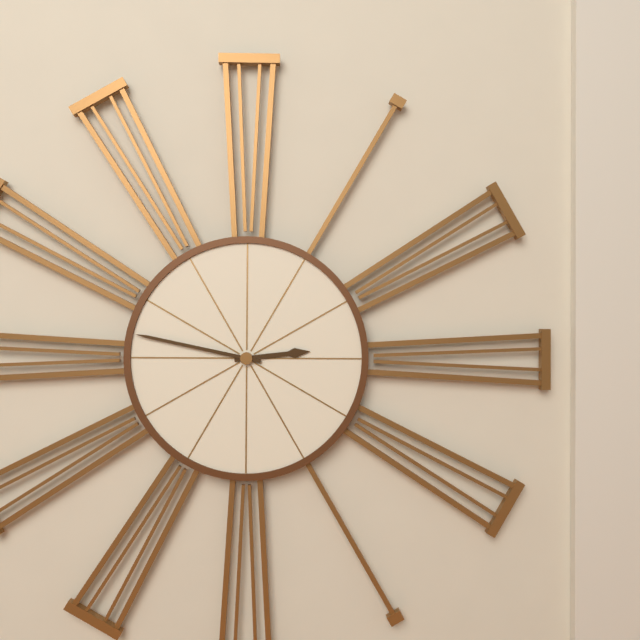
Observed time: 2:47
